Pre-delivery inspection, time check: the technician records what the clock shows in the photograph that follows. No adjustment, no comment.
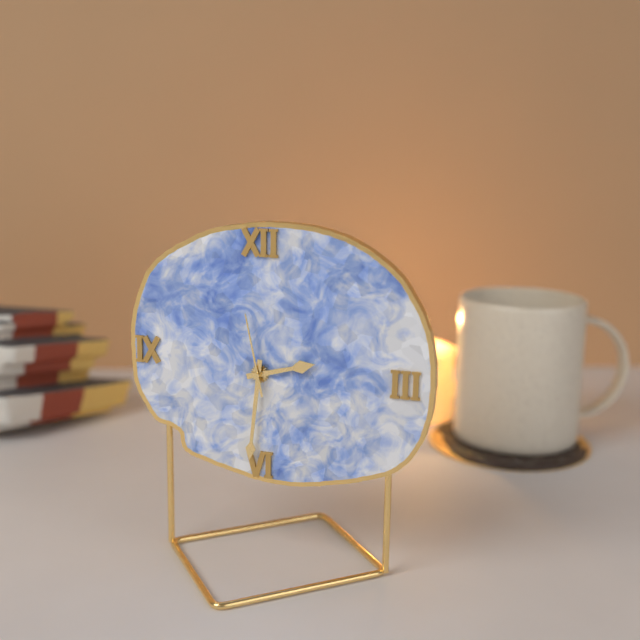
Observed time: 2:31:58
